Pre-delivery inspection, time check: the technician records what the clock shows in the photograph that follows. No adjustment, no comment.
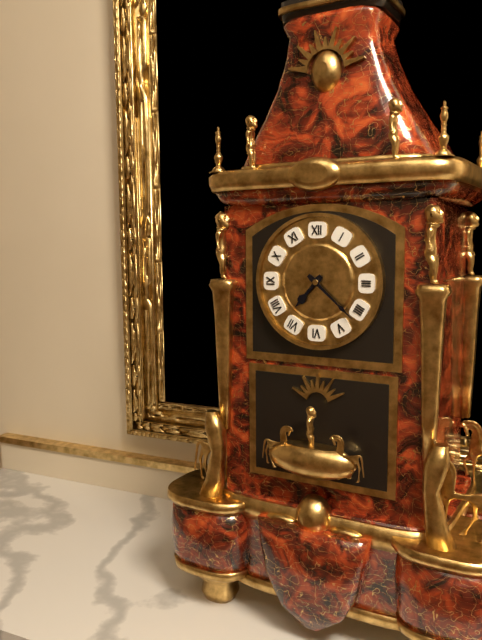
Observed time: 7:22
